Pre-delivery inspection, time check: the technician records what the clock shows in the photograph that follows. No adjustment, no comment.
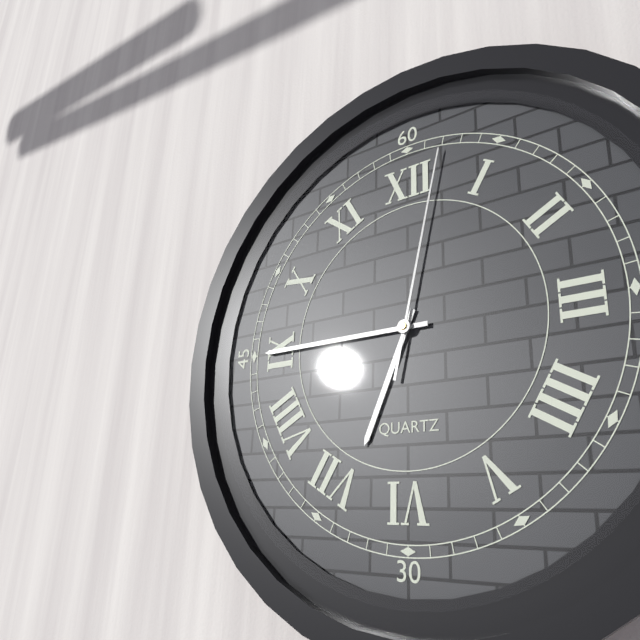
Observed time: 6:45:02
